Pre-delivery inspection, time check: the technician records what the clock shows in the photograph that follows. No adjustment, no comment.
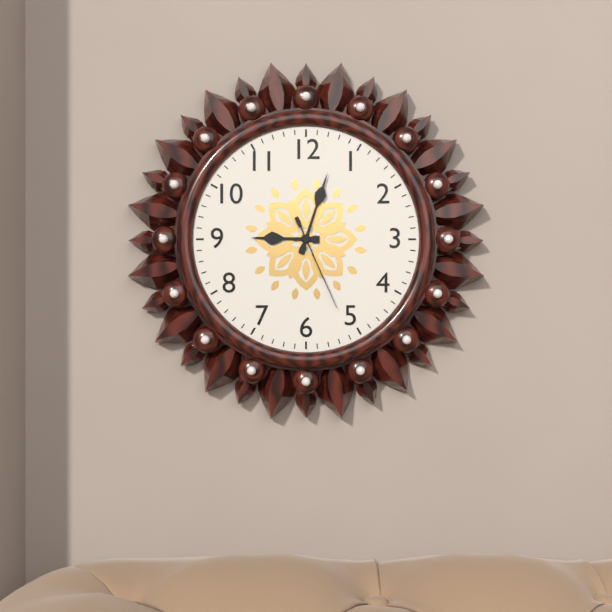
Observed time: 9:03:26
